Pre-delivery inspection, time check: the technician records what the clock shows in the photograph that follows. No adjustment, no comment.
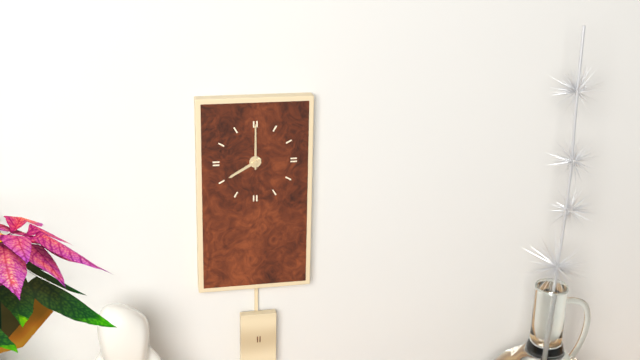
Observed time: 8:00
